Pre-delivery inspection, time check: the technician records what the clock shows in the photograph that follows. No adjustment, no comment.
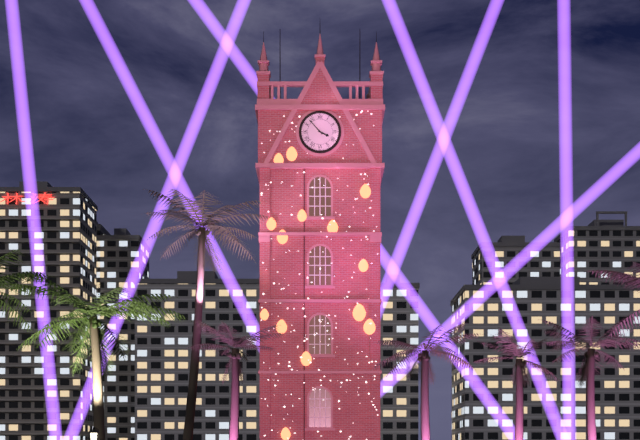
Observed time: 3:53
